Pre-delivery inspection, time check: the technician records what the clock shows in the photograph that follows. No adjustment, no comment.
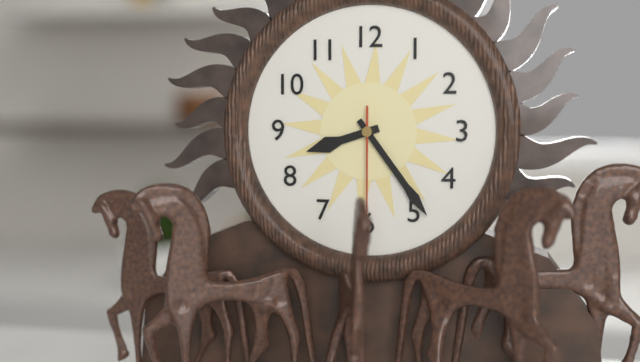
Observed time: 8:24:30
